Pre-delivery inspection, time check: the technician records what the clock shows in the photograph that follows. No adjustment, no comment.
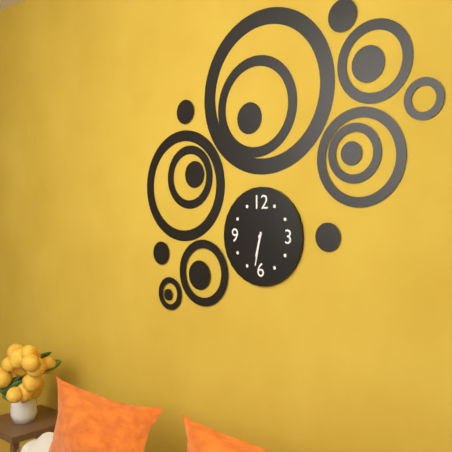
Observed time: 6:32
